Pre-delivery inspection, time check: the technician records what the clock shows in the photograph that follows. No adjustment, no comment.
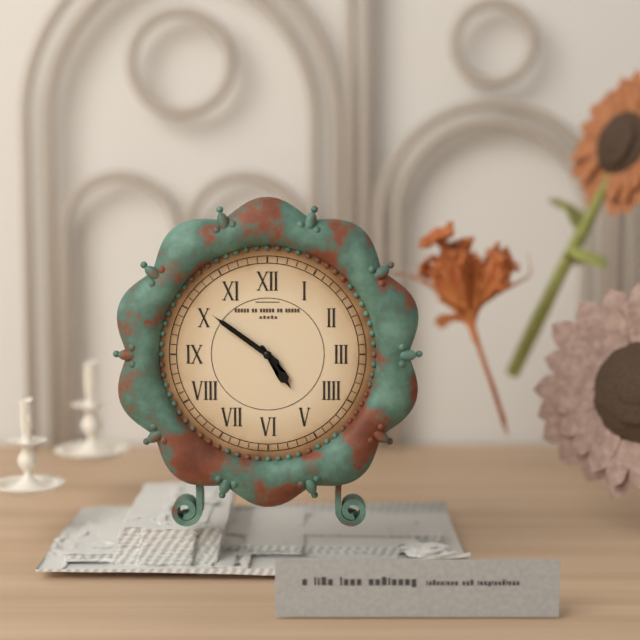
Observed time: 4:51
